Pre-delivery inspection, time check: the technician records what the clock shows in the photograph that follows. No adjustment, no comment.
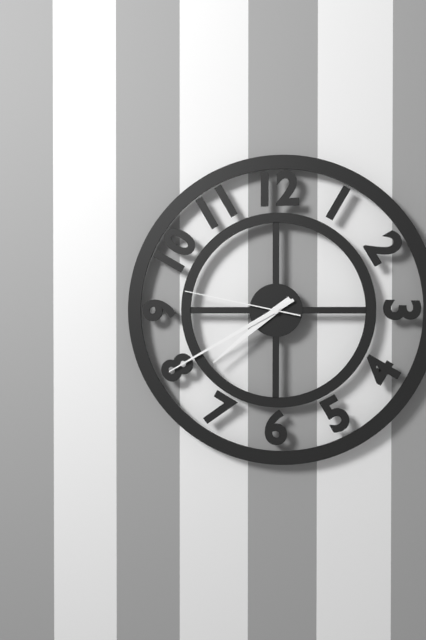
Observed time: 7:40:47
